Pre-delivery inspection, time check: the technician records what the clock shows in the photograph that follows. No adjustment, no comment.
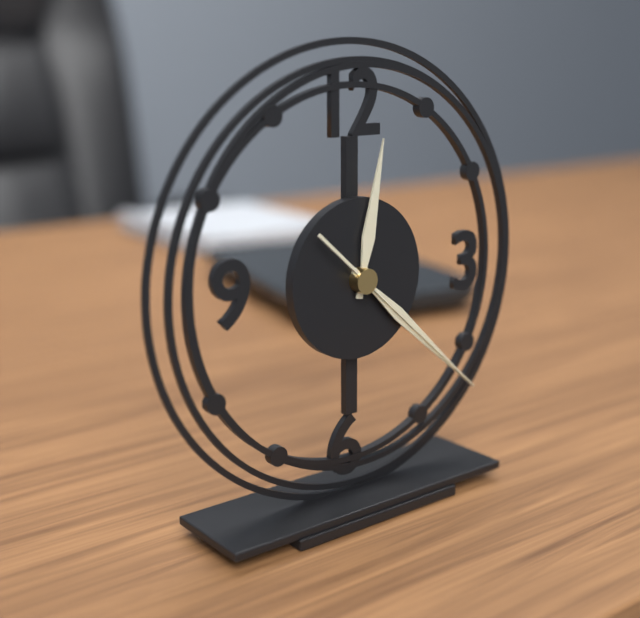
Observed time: 12:22:22
